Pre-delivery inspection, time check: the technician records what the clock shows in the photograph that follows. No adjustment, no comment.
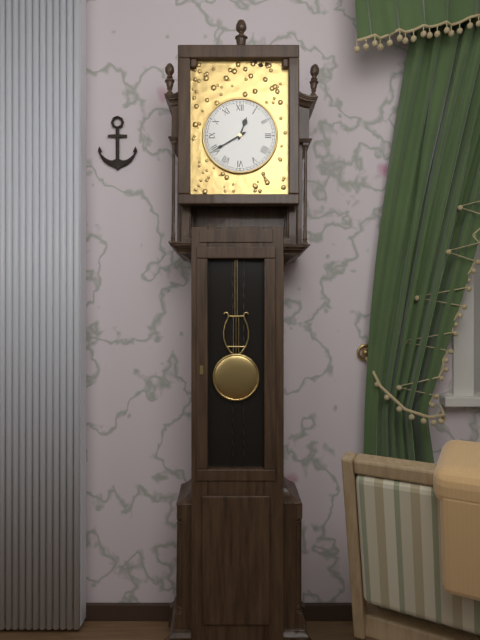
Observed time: 12:40
